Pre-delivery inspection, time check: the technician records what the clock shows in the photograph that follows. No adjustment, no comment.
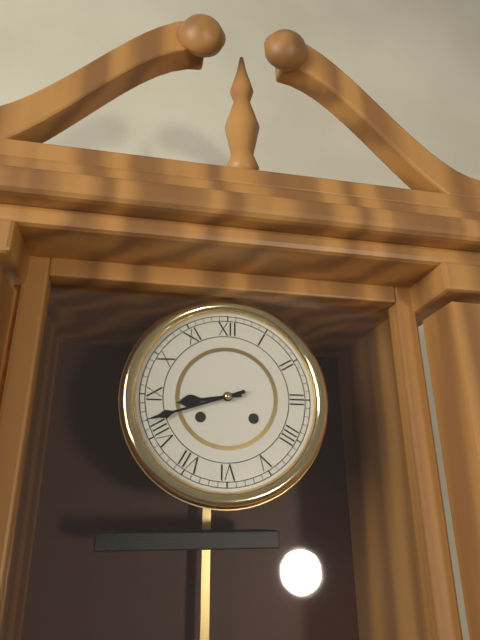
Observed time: 8:42
